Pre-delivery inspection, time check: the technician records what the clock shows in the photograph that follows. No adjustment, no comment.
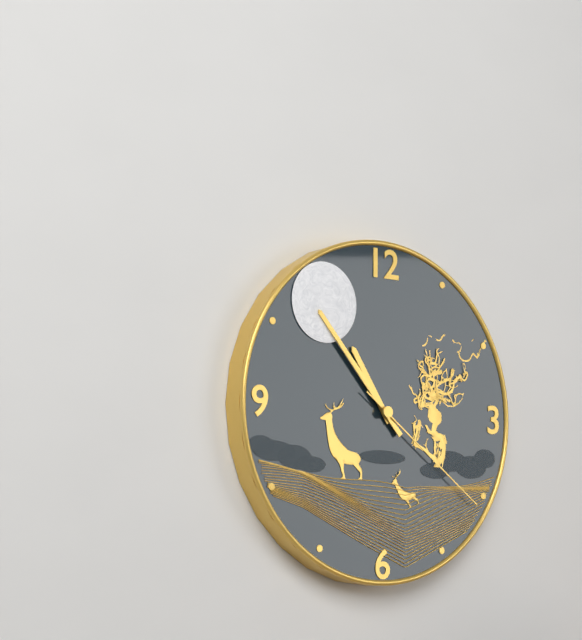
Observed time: 10:53:21
